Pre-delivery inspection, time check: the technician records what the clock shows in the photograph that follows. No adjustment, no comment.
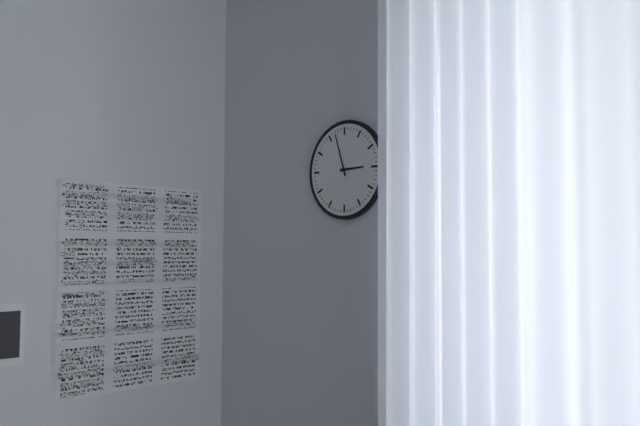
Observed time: 2:57
